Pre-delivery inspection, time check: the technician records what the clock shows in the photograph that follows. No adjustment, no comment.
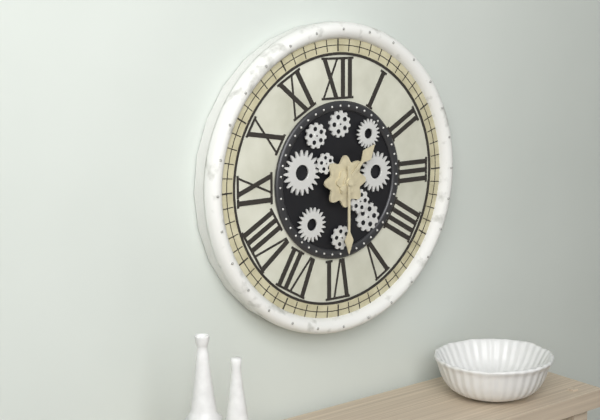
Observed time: 1:30
